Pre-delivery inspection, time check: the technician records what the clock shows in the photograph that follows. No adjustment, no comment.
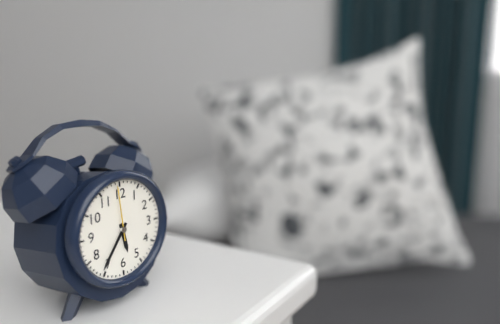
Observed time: 5:36:59
